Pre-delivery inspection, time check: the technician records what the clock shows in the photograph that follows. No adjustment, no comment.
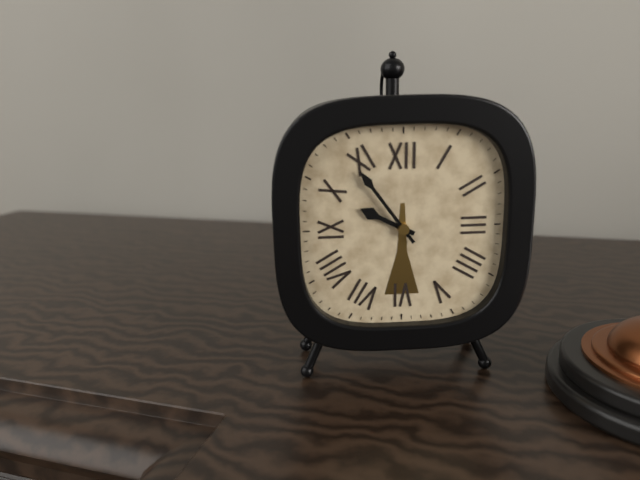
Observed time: 9:54
